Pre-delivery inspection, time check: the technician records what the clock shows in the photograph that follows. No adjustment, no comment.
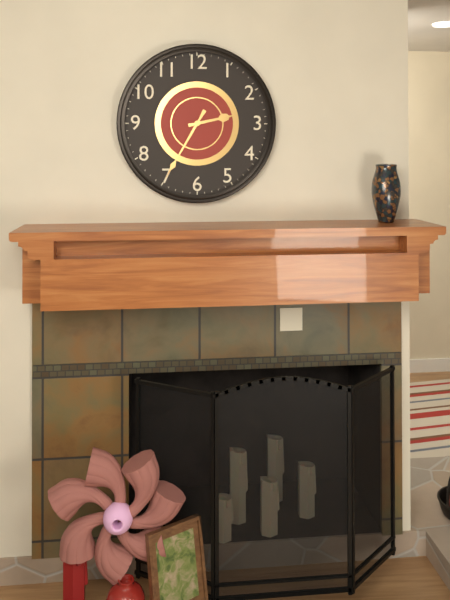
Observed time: 2:35
